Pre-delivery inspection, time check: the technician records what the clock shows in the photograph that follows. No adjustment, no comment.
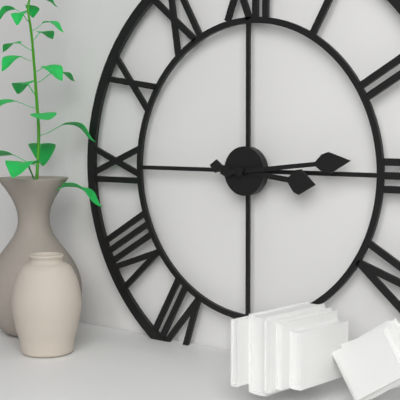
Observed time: 3:14
